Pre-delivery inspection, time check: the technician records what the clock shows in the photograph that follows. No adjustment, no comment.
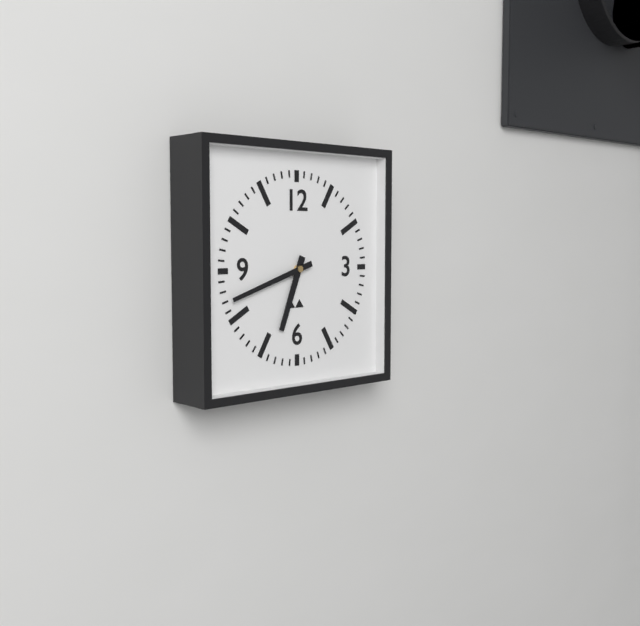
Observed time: 6:42
